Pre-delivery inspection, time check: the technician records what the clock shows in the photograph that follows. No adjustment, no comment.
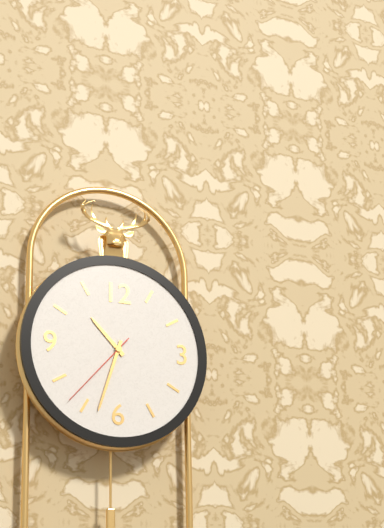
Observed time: 10:33:37
